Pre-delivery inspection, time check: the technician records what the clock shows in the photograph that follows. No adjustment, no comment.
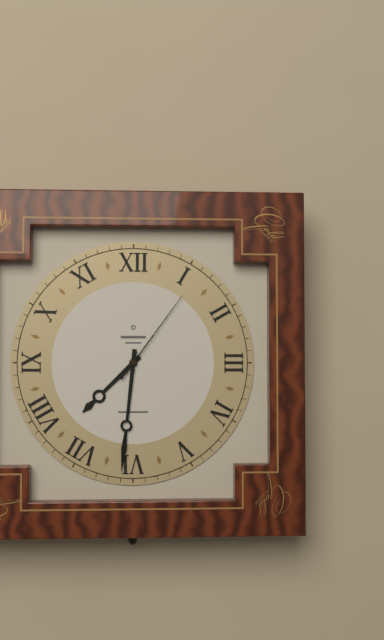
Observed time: 7:31:06
